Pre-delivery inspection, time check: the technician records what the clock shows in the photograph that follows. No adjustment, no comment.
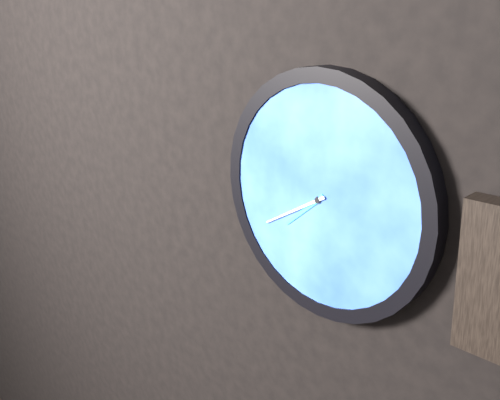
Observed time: 7:40
